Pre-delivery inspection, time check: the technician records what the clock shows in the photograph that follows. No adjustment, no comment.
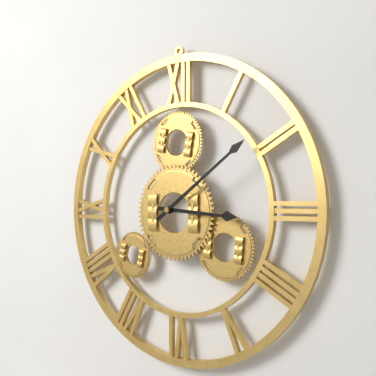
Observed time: 3:09
